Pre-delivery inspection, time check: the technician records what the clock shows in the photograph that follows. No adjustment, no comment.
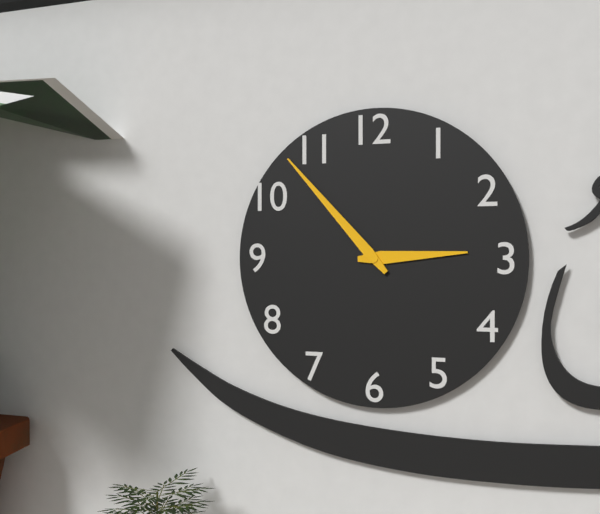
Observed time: 2:53
